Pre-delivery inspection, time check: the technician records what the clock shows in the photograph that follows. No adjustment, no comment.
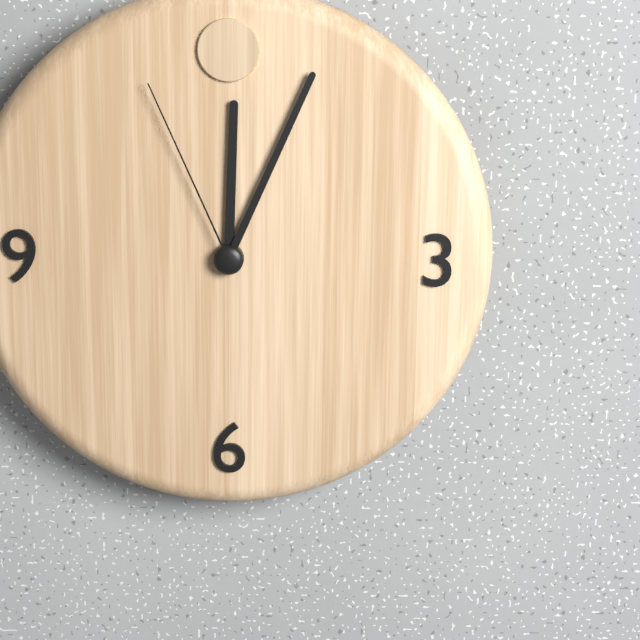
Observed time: 12:04:56
